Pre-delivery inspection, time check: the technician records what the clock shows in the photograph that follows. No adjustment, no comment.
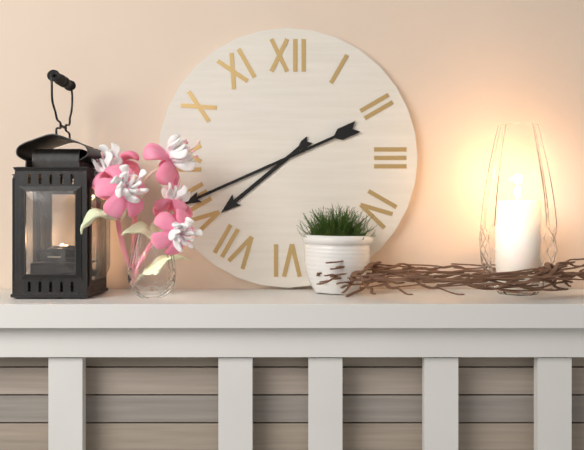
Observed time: 7:41
